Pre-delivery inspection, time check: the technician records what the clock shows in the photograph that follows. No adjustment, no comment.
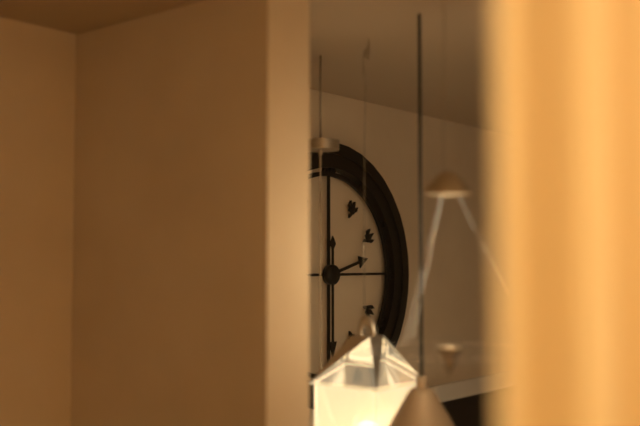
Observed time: 2:30
